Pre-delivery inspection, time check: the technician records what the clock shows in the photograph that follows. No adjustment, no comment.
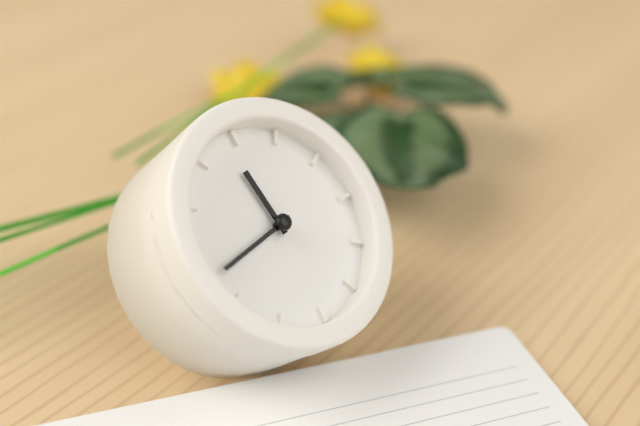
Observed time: 11:43
